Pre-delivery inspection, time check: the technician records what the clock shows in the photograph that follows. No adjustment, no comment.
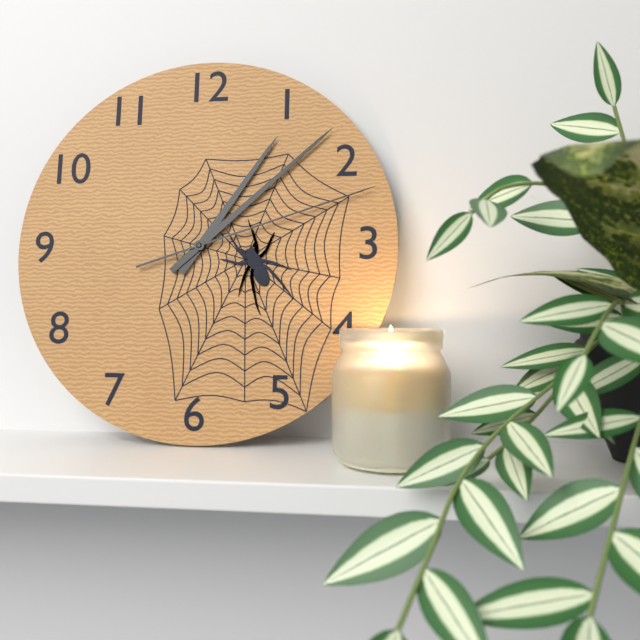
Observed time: 1:08:12
